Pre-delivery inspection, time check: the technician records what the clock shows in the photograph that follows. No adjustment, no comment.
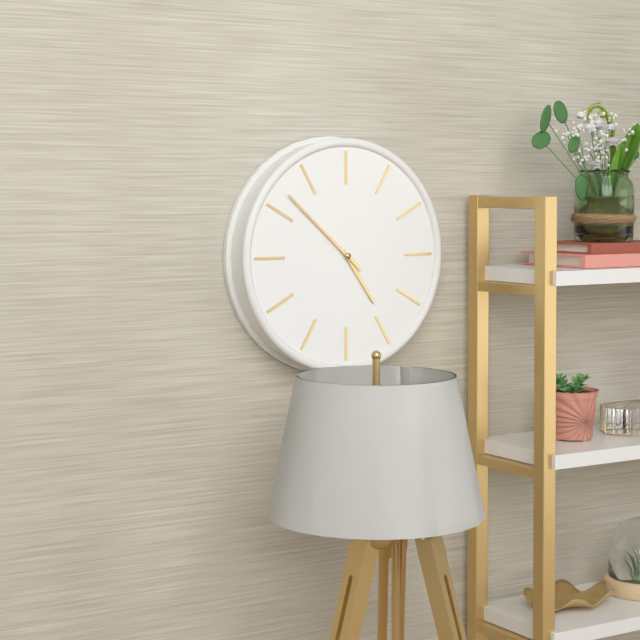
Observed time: 4:52
